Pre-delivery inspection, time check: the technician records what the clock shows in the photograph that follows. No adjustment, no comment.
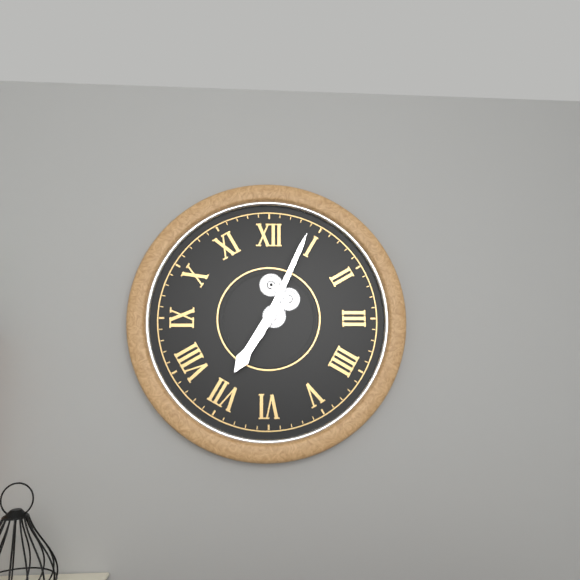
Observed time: 7:04
